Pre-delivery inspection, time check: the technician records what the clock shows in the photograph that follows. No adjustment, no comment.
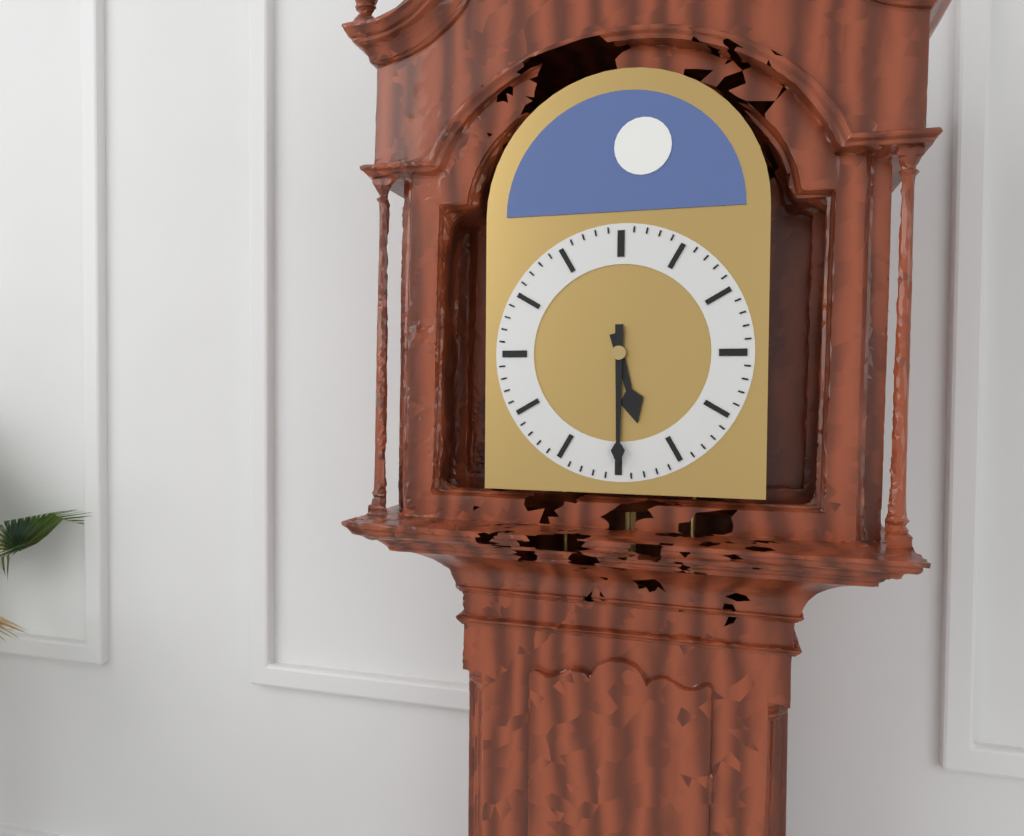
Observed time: 5:30
